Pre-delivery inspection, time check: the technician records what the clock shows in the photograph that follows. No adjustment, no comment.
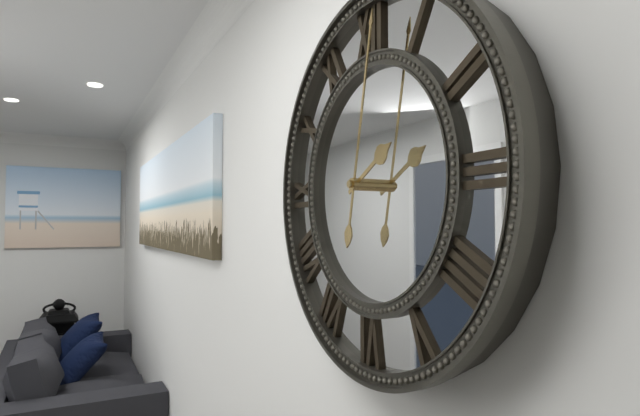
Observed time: 2:02
